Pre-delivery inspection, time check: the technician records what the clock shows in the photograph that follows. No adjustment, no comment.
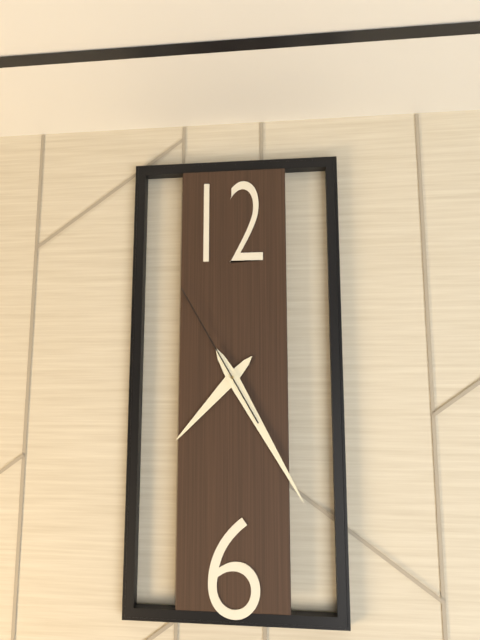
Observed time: 7:25:55
